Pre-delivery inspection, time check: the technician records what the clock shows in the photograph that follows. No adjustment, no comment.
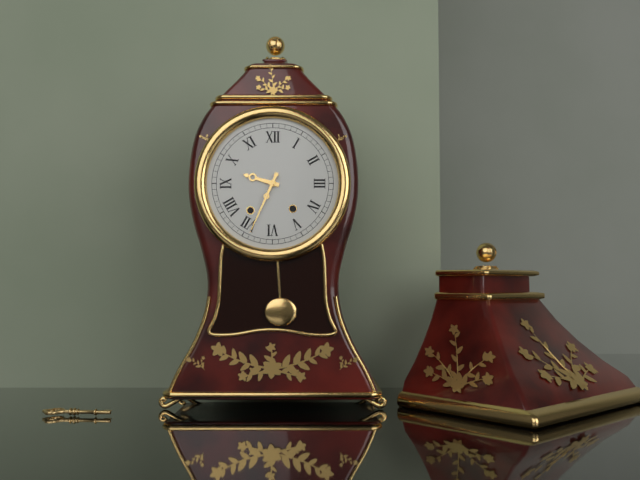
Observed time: 9:34
